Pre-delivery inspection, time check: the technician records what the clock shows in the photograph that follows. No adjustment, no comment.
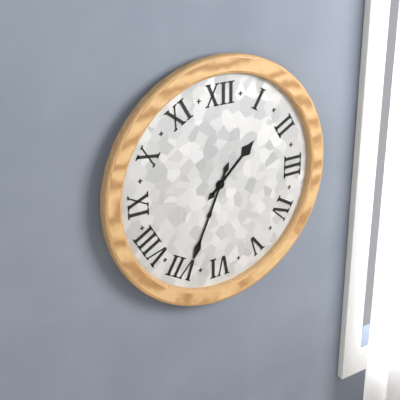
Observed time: 1:34
